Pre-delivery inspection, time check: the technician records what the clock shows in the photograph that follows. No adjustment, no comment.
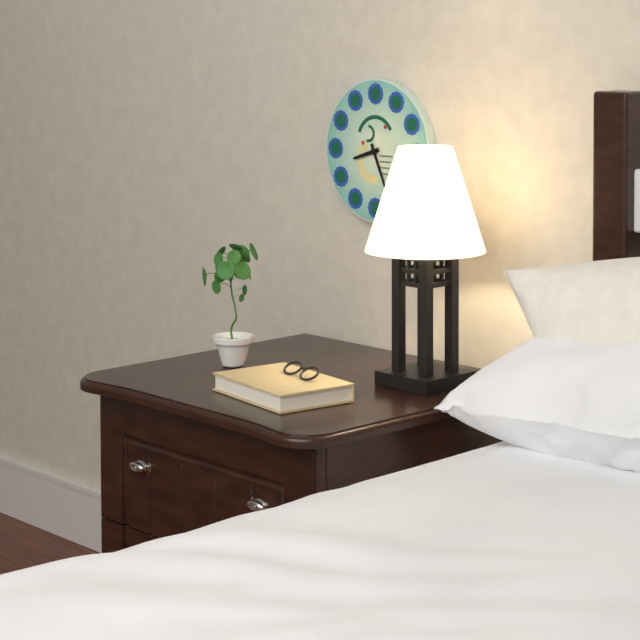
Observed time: 8:26
